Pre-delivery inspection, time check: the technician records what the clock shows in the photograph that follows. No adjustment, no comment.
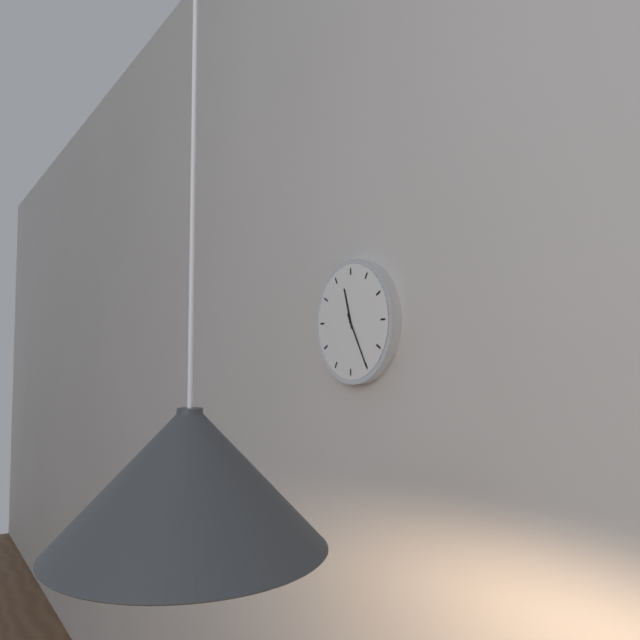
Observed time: 11:25
